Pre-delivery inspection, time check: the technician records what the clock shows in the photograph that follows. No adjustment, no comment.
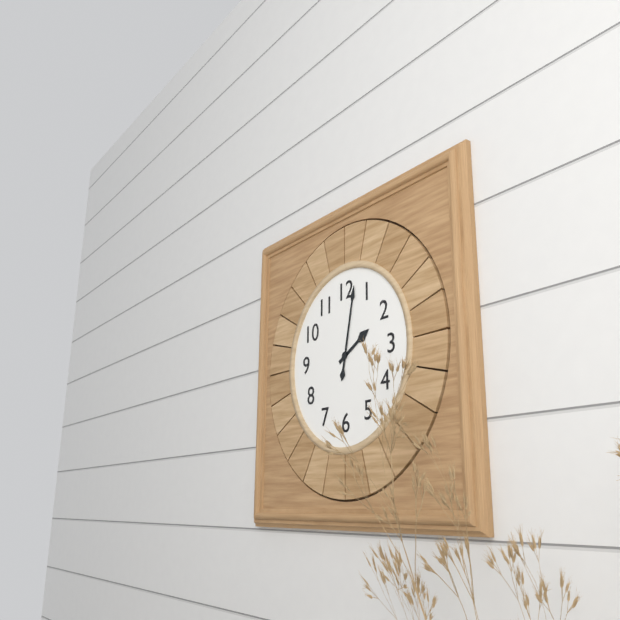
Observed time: 2:02
